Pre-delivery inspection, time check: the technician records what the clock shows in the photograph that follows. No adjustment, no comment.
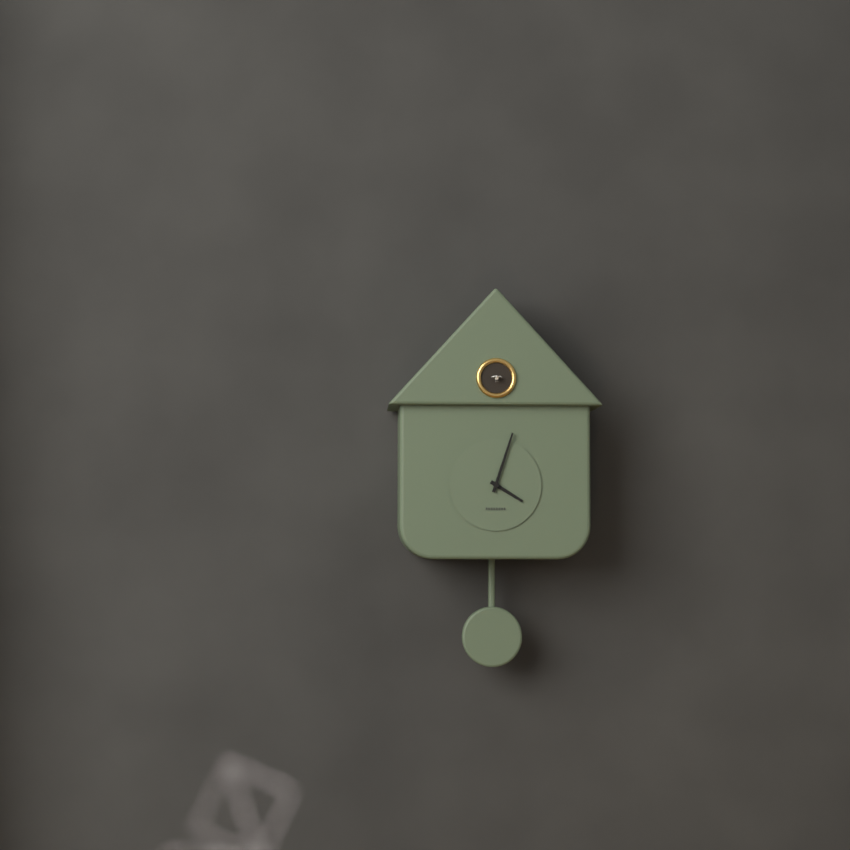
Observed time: 4:03
